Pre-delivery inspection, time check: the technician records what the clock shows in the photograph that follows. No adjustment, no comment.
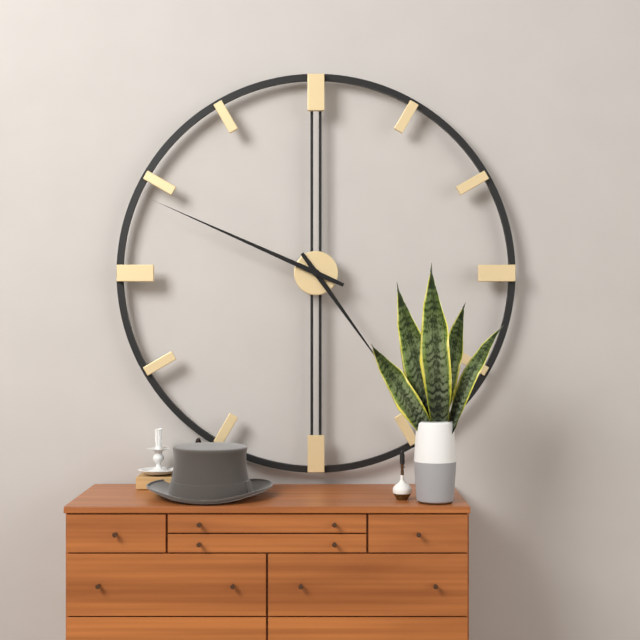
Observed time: 4:49
